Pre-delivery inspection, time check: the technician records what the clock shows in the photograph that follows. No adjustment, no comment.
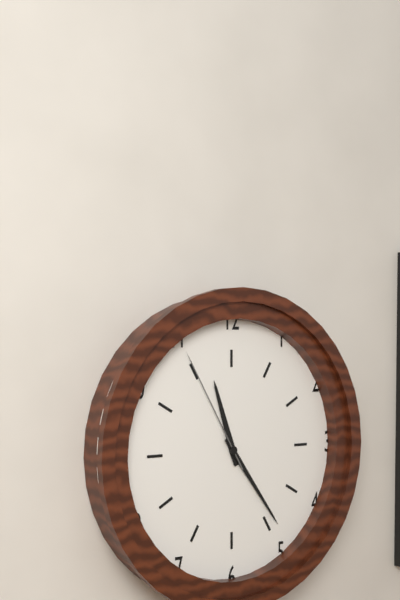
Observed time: 11:24:55
